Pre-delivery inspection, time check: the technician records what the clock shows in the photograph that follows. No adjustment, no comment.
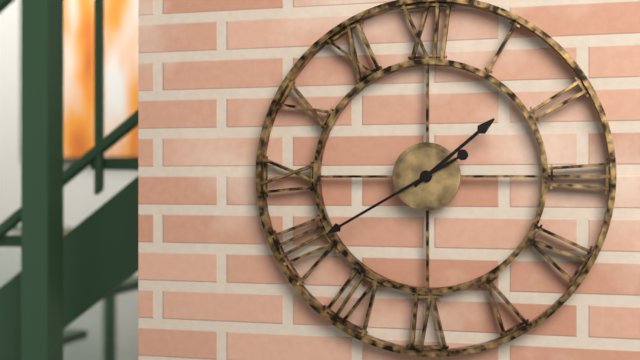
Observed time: 1:40
